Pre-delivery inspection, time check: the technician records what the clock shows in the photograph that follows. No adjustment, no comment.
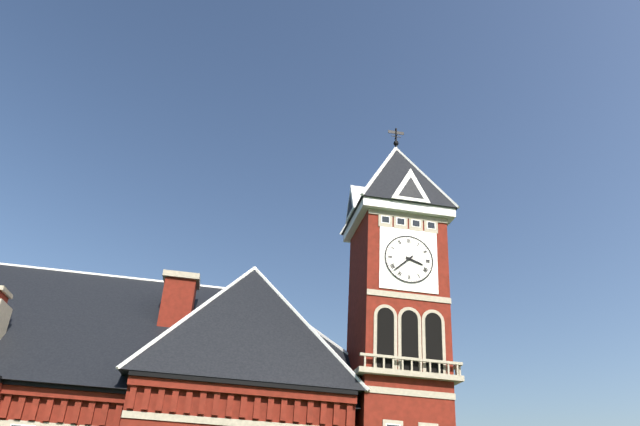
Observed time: 3:38
